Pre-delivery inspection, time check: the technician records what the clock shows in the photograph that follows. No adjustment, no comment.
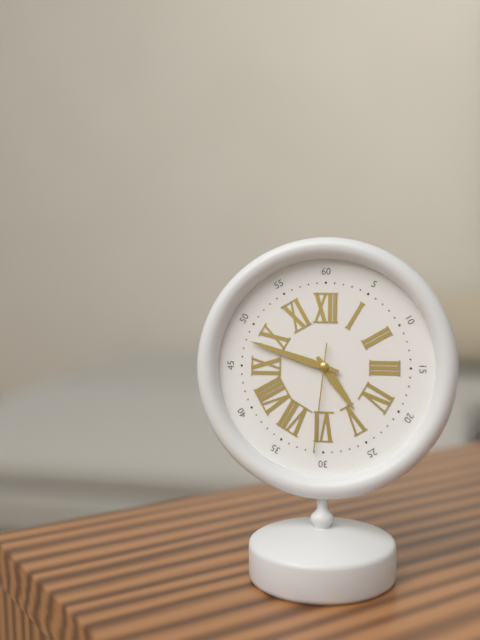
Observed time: 4:48:31
